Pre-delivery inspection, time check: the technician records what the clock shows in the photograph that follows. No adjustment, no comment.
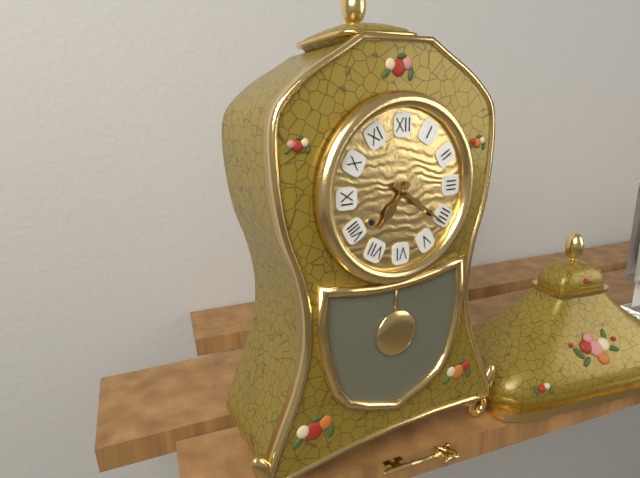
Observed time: 7:21
